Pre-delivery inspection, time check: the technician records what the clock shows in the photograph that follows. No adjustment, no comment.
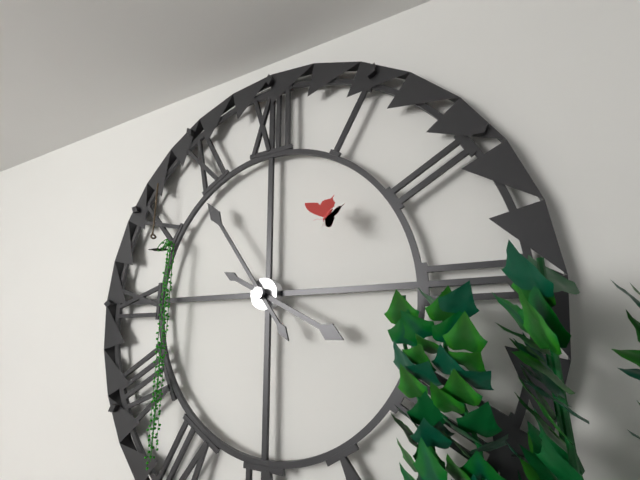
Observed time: 3:54
